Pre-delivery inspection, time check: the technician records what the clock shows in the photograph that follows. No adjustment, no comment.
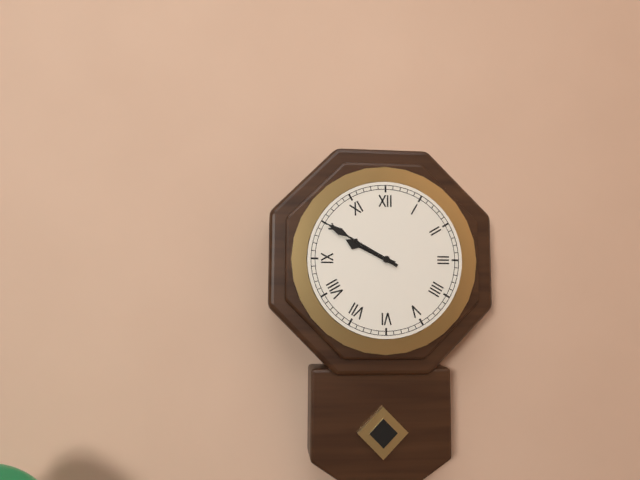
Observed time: 9:50
